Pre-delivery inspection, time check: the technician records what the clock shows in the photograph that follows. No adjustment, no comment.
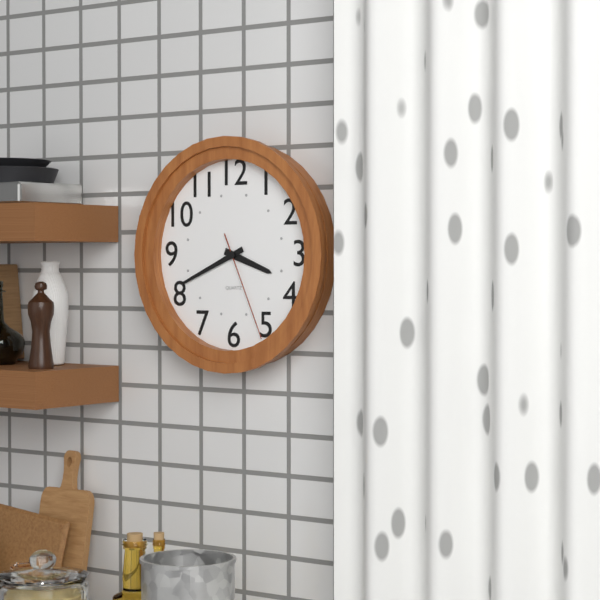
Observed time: 3:41:26
